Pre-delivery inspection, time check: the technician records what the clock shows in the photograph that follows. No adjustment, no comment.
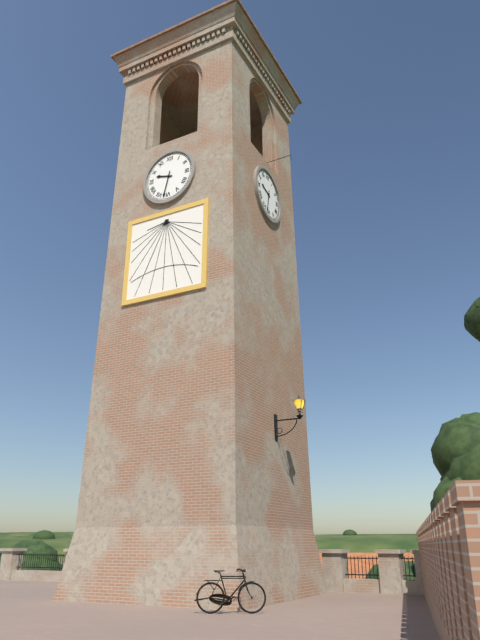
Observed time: 9:32
